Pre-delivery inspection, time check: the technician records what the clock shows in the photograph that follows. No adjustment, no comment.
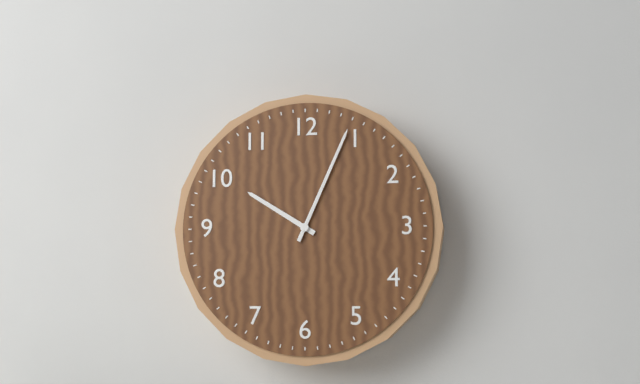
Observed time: 10:04
